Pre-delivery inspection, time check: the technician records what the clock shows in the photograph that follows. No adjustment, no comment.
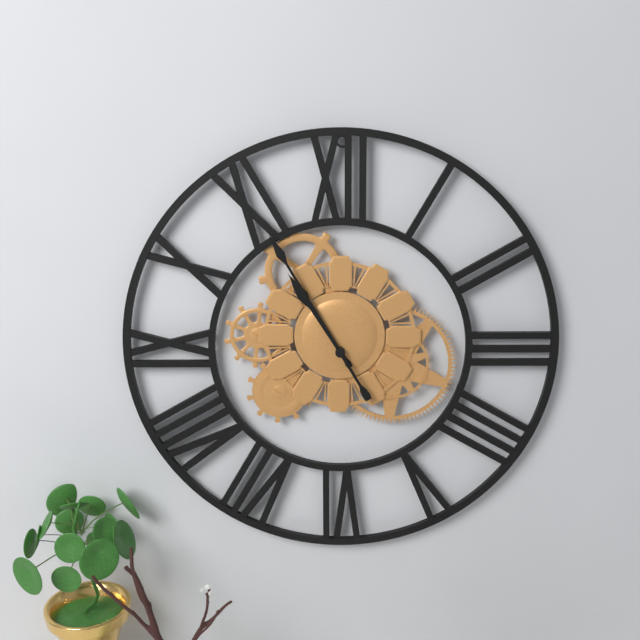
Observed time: 10:55
